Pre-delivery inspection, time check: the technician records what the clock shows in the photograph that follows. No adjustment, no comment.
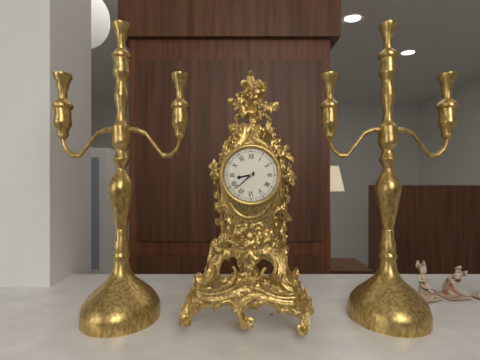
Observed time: 8:38
